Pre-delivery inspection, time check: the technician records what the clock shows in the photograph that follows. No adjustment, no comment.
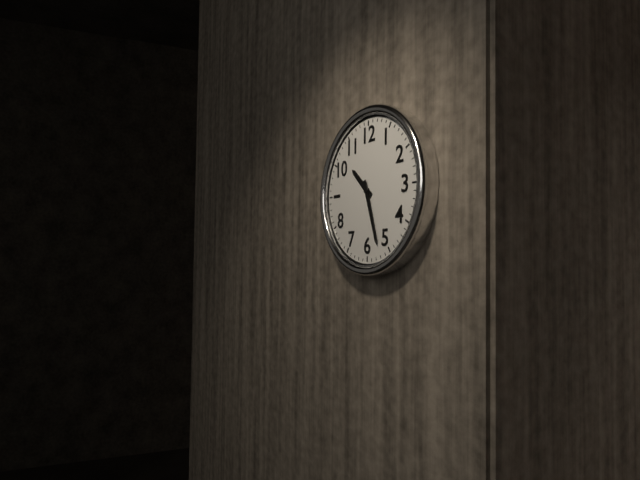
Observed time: 10:27
